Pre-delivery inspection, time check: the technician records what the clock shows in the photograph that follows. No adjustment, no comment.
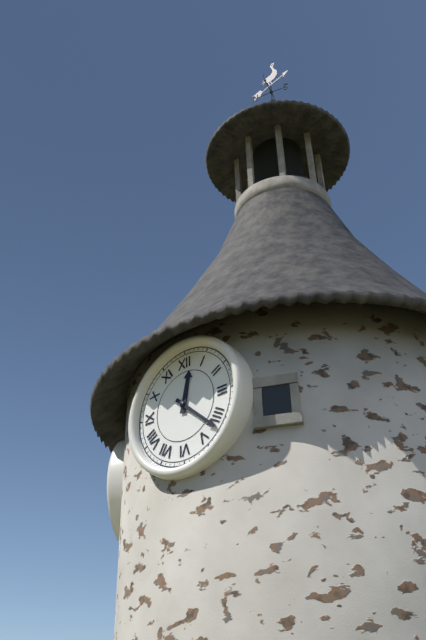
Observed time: 12:22
